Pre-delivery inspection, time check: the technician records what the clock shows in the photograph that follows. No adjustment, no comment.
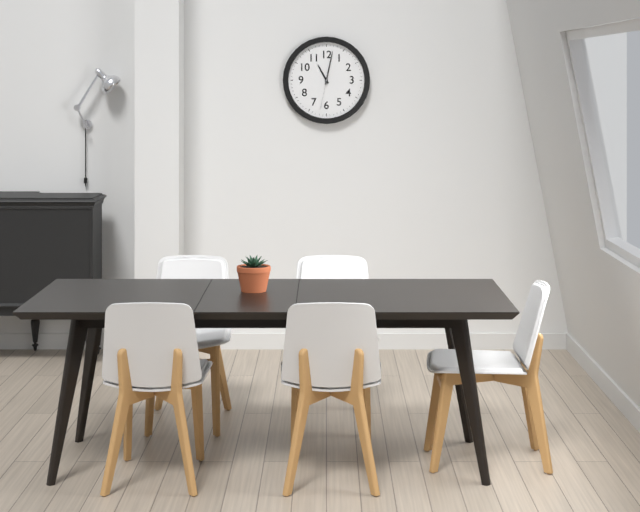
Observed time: 11:02
